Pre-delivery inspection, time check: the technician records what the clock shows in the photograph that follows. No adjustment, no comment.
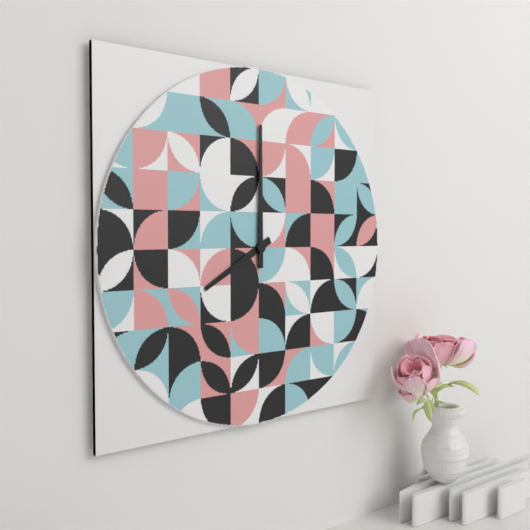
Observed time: 8:00
